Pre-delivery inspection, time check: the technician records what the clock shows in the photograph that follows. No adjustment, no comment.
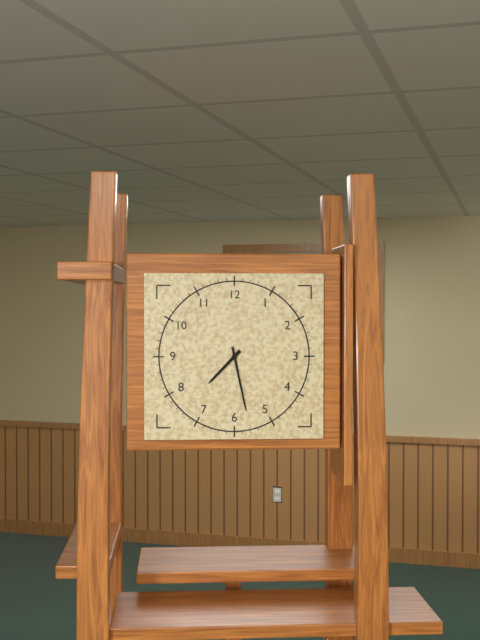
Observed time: 7:28
